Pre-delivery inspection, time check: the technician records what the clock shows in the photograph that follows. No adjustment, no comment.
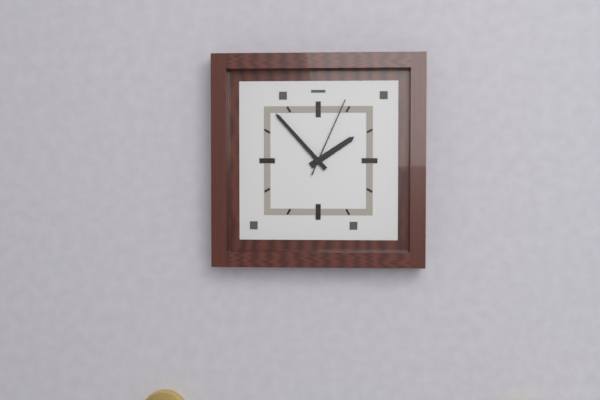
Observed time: 1:53:04
